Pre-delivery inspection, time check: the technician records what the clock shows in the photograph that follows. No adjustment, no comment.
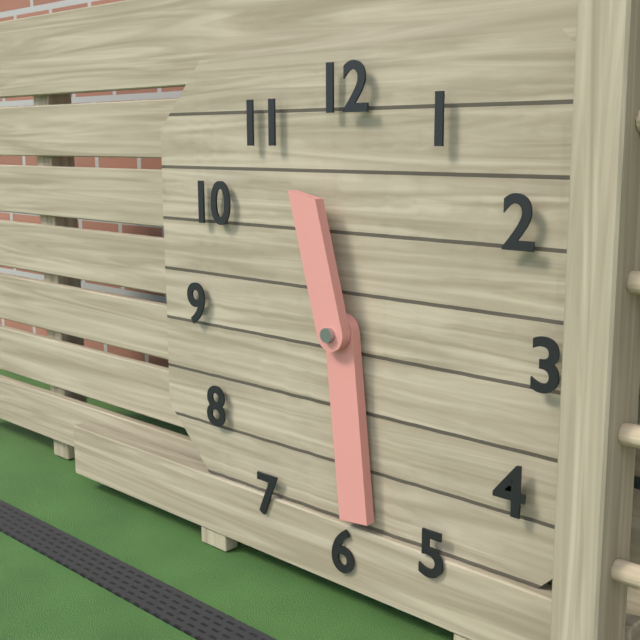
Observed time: 11:29
